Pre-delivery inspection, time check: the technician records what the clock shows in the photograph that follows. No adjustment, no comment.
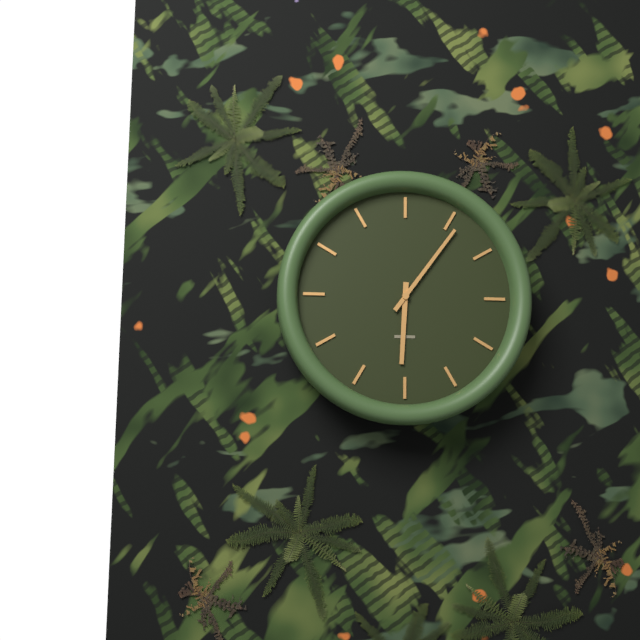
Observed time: 6:06
